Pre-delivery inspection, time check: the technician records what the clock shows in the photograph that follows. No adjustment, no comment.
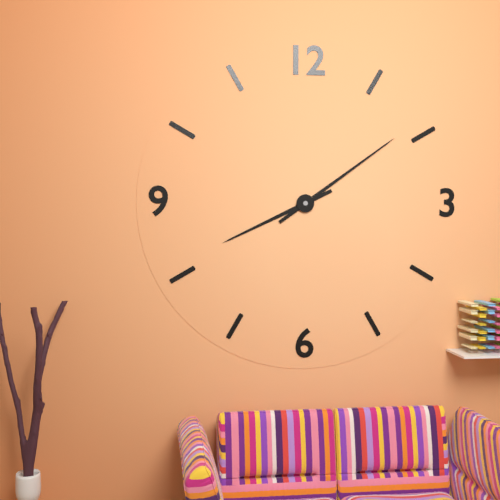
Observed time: 8:09
